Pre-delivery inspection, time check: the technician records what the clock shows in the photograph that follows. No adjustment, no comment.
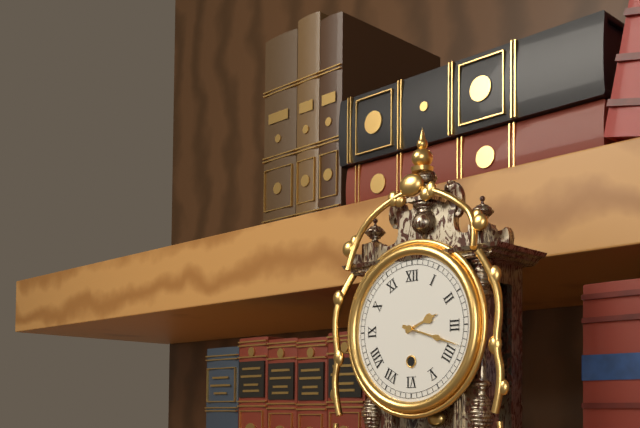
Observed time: 2:18
